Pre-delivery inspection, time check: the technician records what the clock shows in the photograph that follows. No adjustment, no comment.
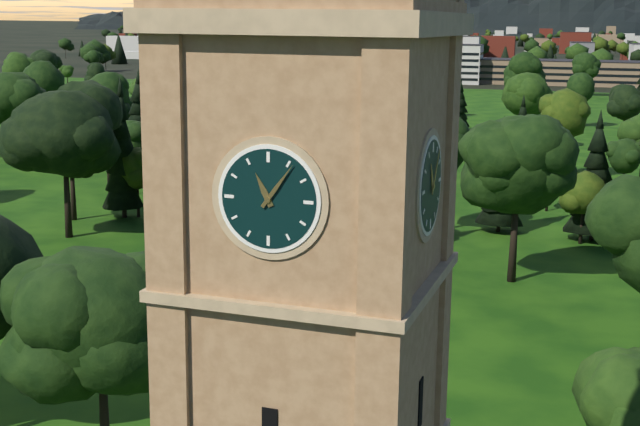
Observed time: 11:06
